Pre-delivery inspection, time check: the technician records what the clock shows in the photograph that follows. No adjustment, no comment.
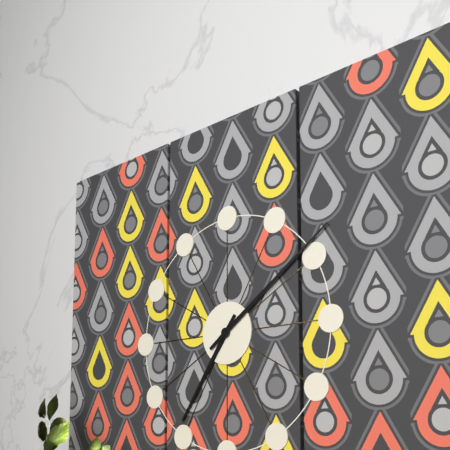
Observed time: 7:09
